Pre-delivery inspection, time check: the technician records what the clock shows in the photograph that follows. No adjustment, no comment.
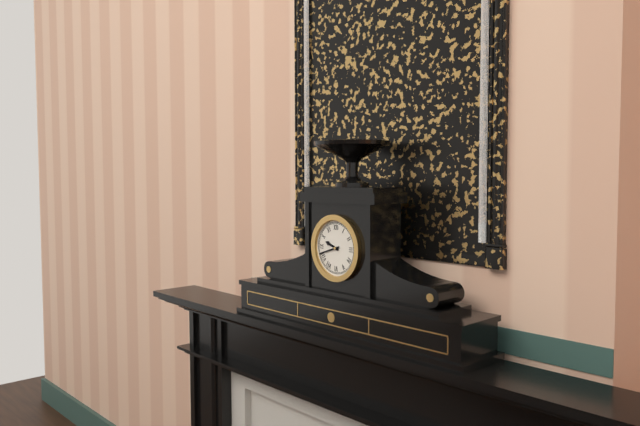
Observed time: 9:42
